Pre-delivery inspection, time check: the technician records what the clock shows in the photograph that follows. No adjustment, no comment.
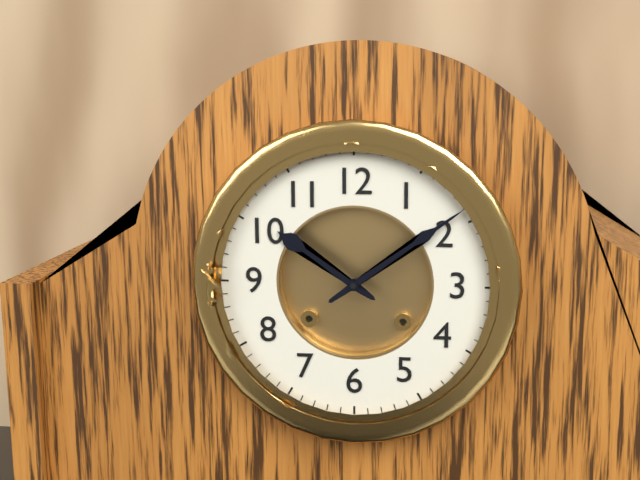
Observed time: 10:09
